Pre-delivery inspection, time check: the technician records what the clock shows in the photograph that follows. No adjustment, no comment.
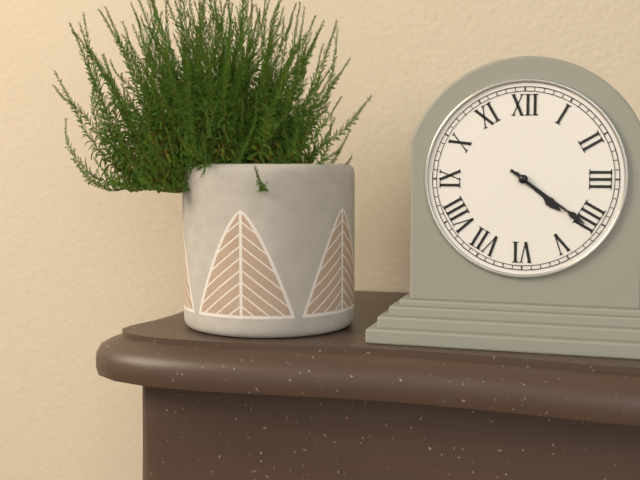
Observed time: 4:21
